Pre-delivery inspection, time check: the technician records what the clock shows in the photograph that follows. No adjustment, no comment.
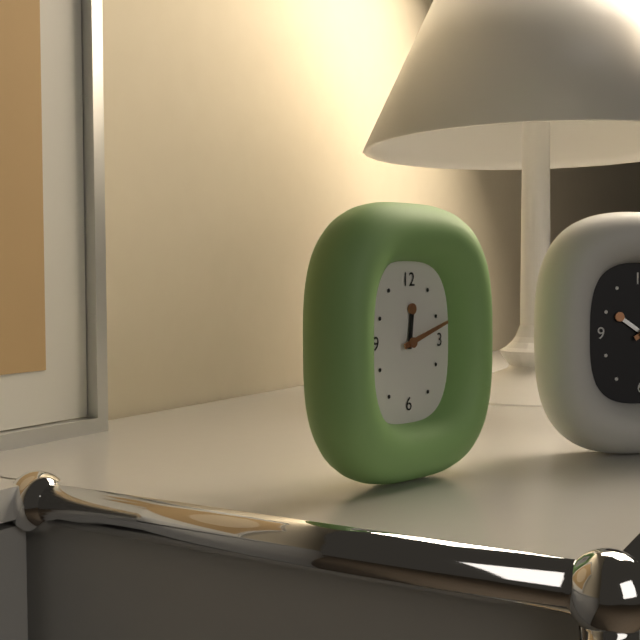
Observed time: 12:12
